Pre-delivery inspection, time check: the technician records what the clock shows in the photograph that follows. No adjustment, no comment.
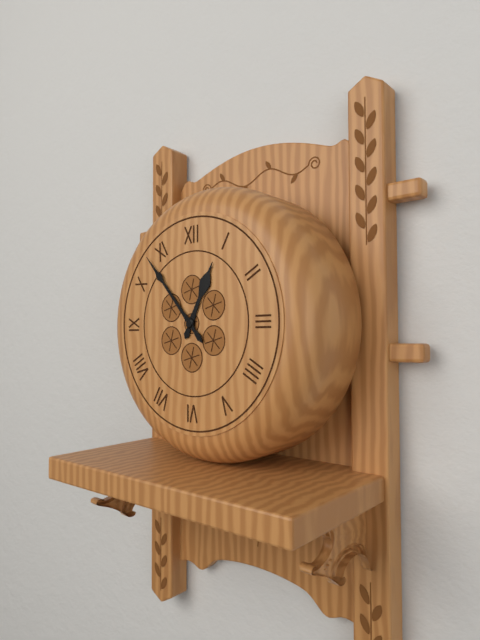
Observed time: 12:53
